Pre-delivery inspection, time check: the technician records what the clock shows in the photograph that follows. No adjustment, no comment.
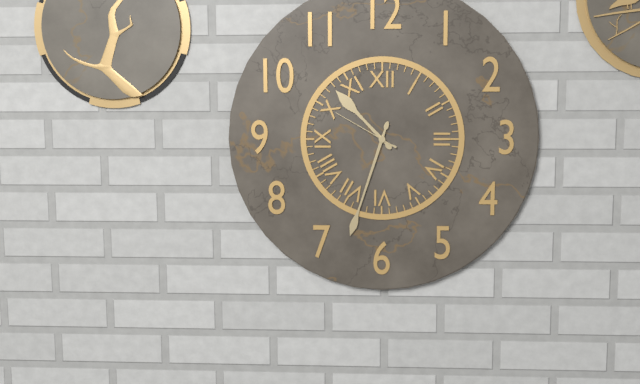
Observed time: 10:33:50
